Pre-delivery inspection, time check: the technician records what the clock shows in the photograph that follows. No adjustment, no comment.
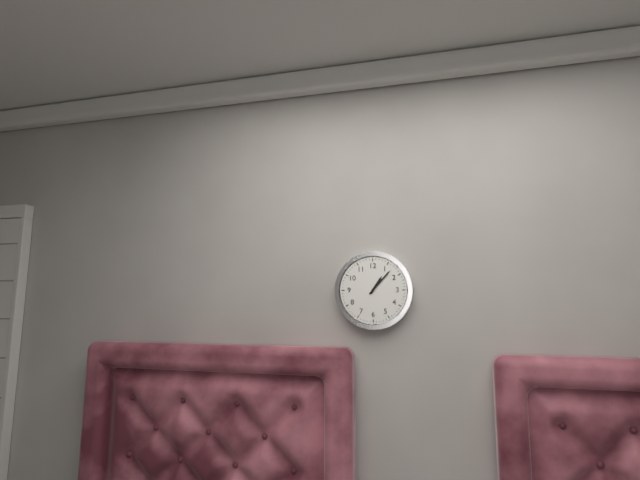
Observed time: 1:07
